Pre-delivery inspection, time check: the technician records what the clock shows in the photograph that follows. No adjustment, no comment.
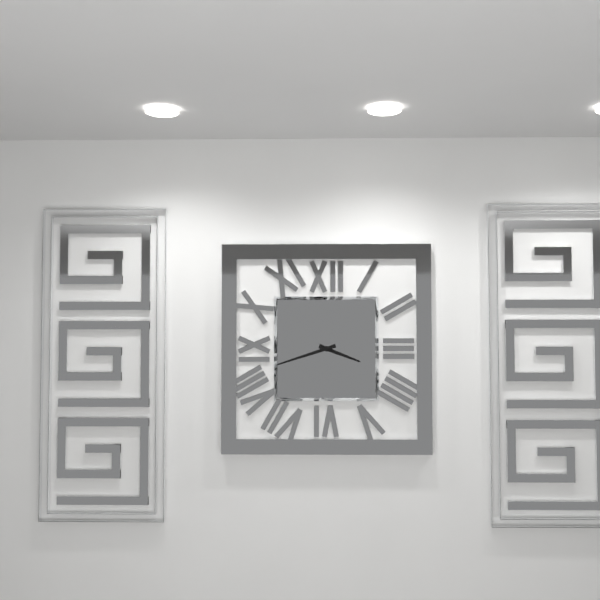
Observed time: 3:42
